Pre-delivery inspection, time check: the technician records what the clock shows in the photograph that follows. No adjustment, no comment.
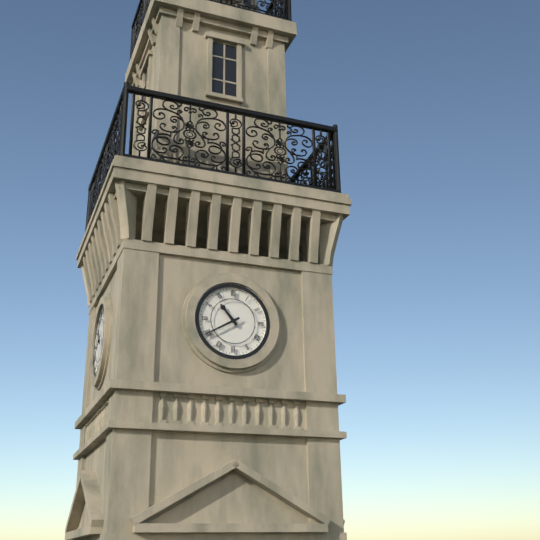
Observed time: 10:40
